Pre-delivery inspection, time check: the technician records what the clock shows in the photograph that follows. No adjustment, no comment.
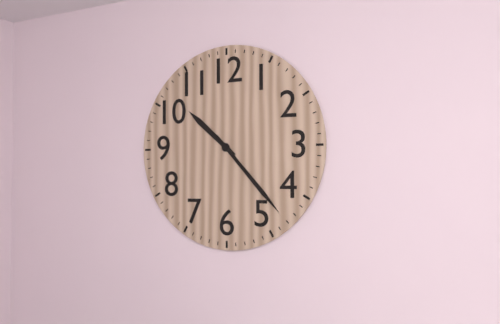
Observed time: 10:23
